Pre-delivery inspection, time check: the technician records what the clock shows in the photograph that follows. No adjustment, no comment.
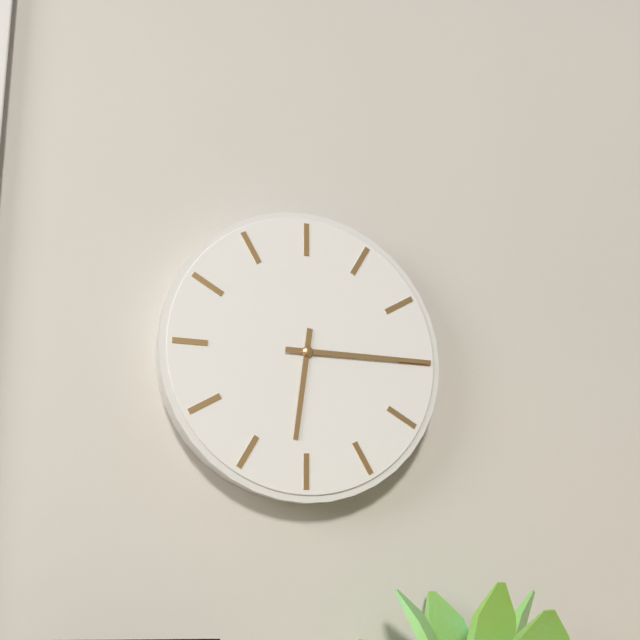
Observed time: 6:15
